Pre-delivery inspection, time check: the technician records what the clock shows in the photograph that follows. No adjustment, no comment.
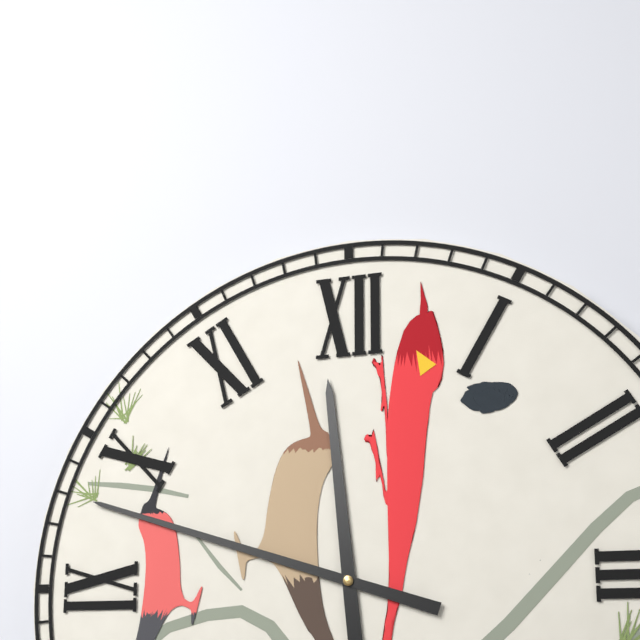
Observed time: 11:48
